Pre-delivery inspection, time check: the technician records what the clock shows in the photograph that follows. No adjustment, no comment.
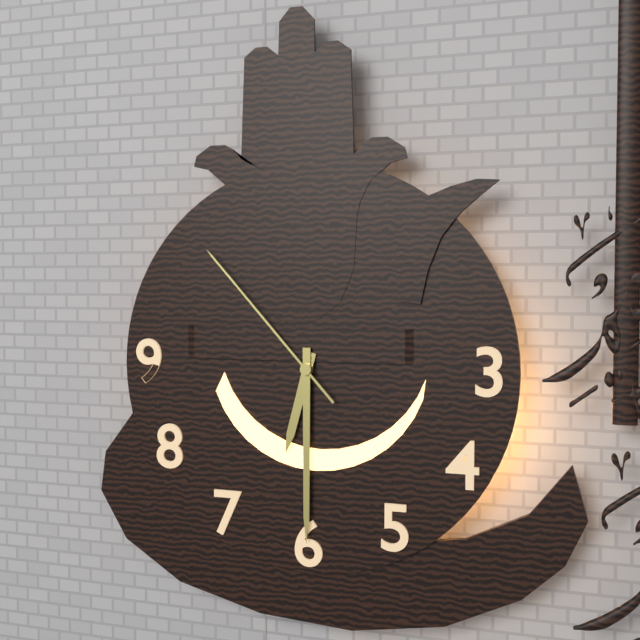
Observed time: 6:30:53
